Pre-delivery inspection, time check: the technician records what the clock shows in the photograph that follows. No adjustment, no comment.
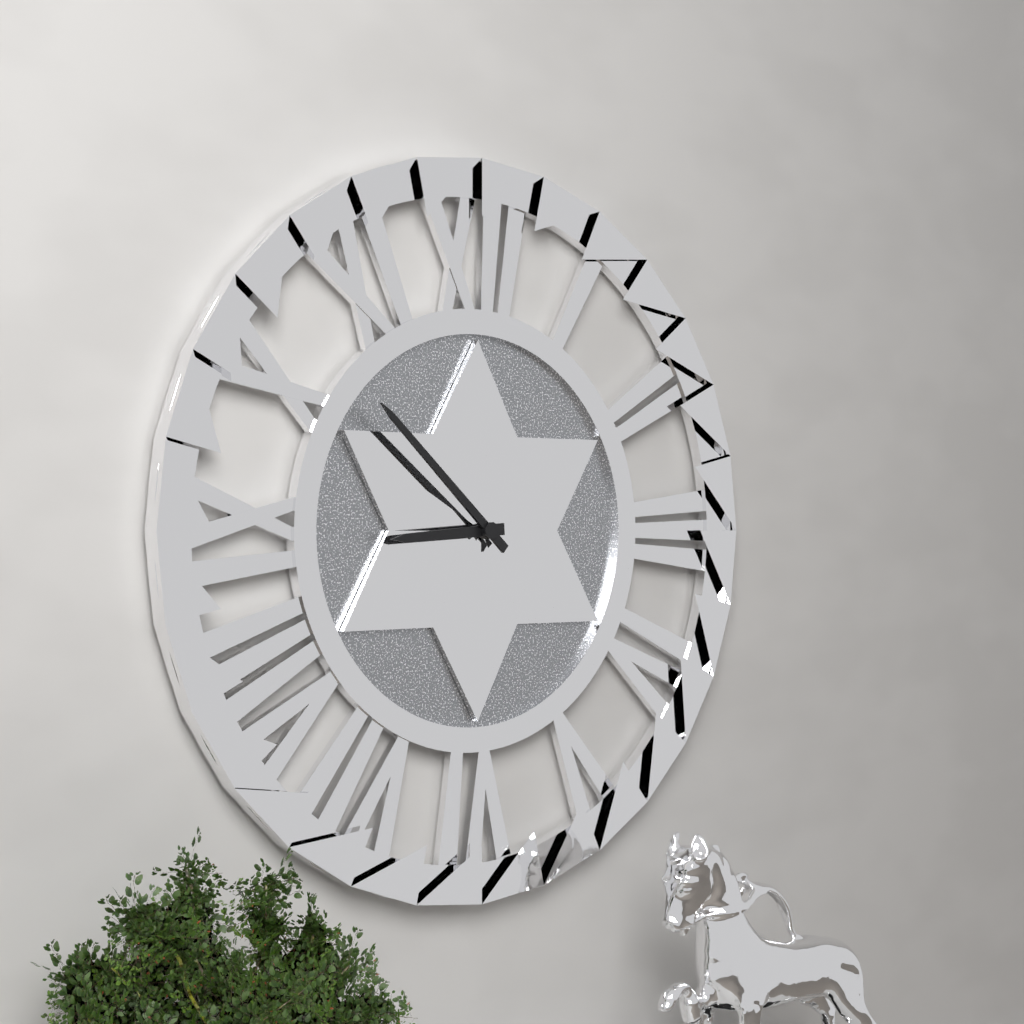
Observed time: 8:52
